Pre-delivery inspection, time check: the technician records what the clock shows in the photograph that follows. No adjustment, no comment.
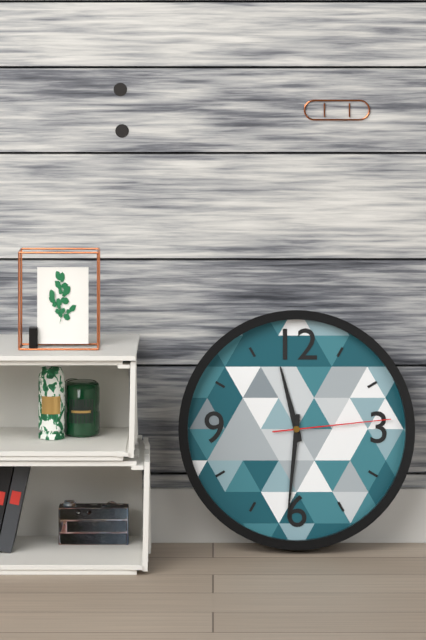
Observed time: 11:31:14
